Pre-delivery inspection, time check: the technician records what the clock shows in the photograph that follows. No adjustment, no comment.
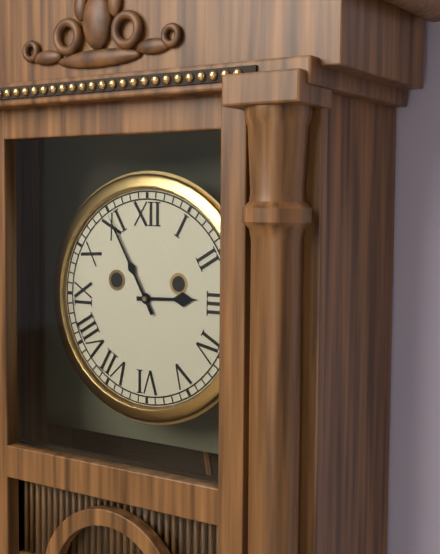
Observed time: 2:55
